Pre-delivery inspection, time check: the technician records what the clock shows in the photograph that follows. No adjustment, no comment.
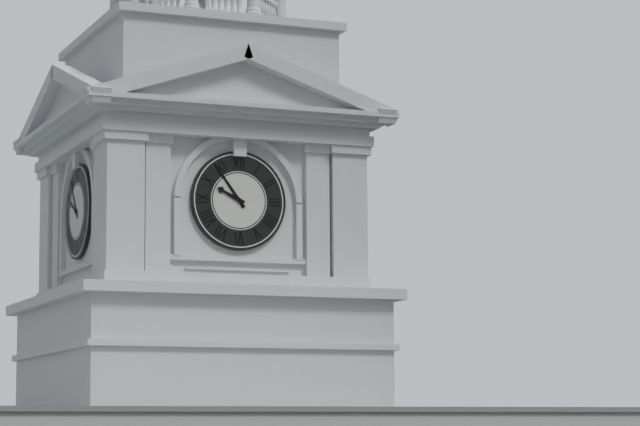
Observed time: 9:54
